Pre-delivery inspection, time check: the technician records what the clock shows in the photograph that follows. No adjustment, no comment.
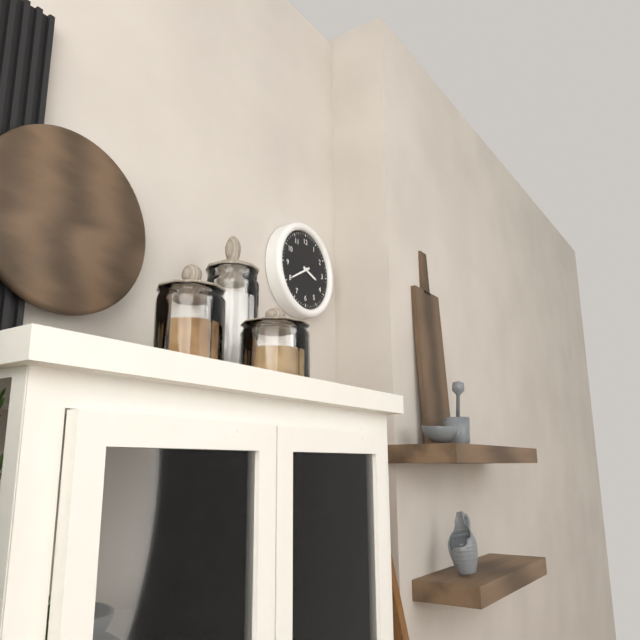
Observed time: 3:40
